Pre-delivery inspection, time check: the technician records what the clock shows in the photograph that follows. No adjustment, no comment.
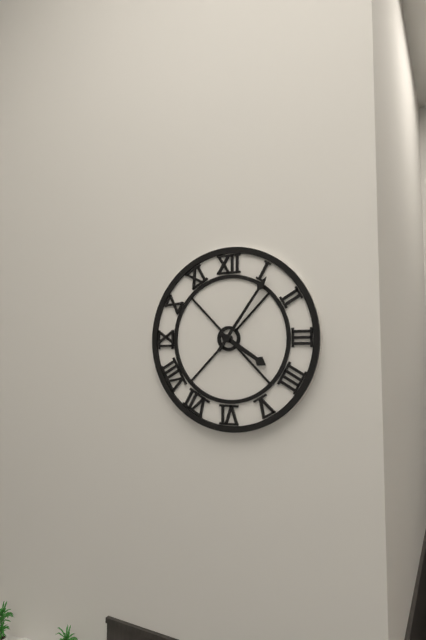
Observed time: 4:06
